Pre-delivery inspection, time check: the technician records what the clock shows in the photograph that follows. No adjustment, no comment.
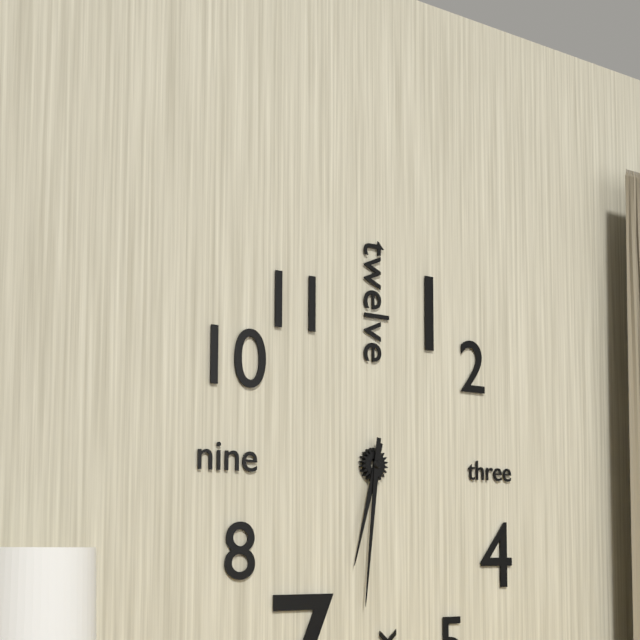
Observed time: 6:31
